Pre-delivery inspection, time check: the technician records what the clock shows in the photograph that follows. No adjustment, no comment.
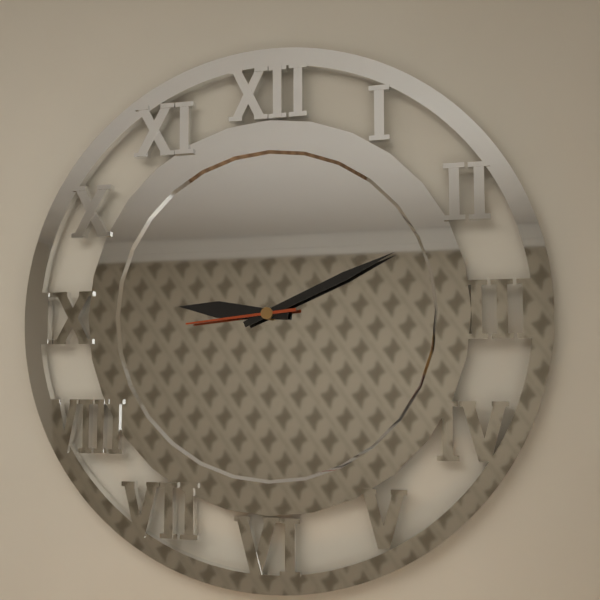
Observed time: 9:11:44
